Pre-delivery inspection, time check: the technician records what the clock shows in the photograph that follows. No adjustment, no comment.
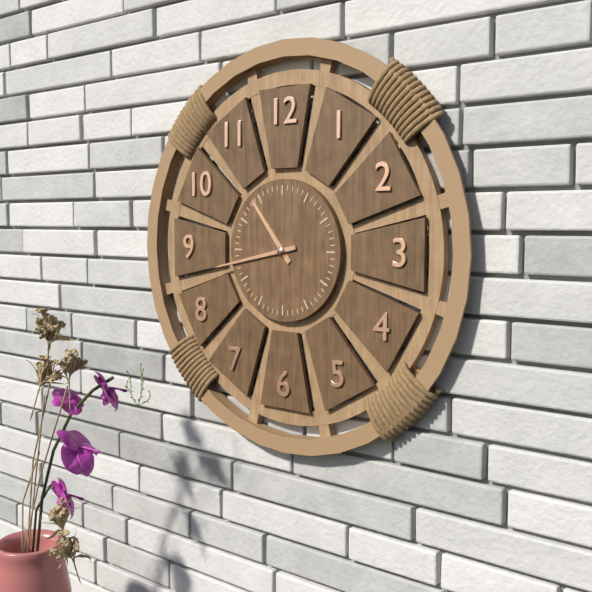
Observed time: 10:43
